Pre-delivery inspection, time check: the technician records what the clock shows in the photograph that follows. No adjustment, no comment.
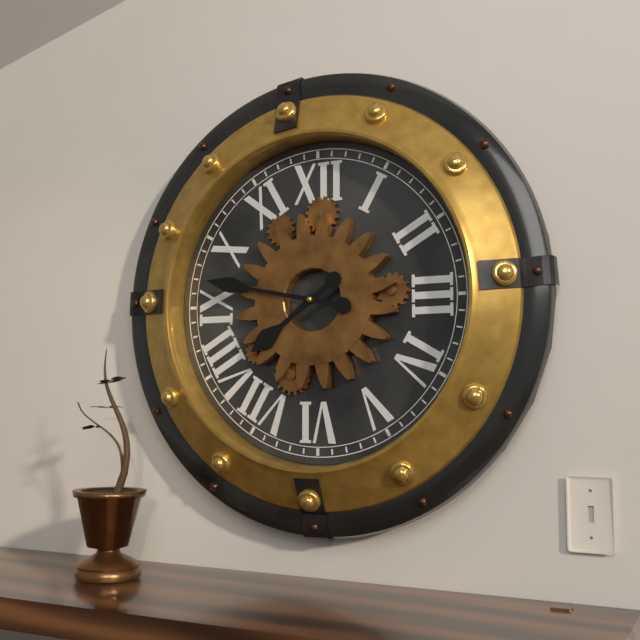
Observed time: 7:47
